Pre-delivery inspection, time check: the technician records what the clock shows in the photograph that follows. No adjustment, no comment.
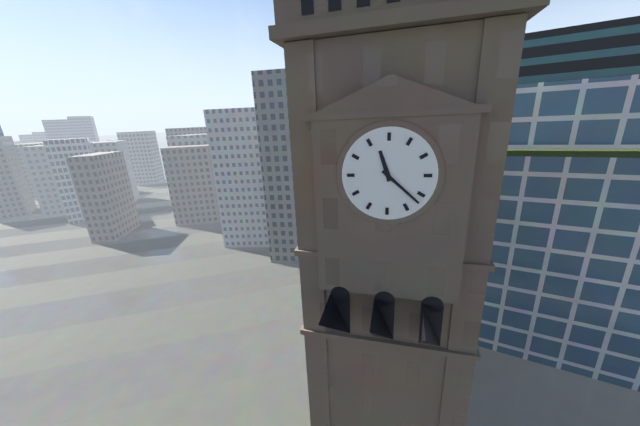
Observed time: 11:22
